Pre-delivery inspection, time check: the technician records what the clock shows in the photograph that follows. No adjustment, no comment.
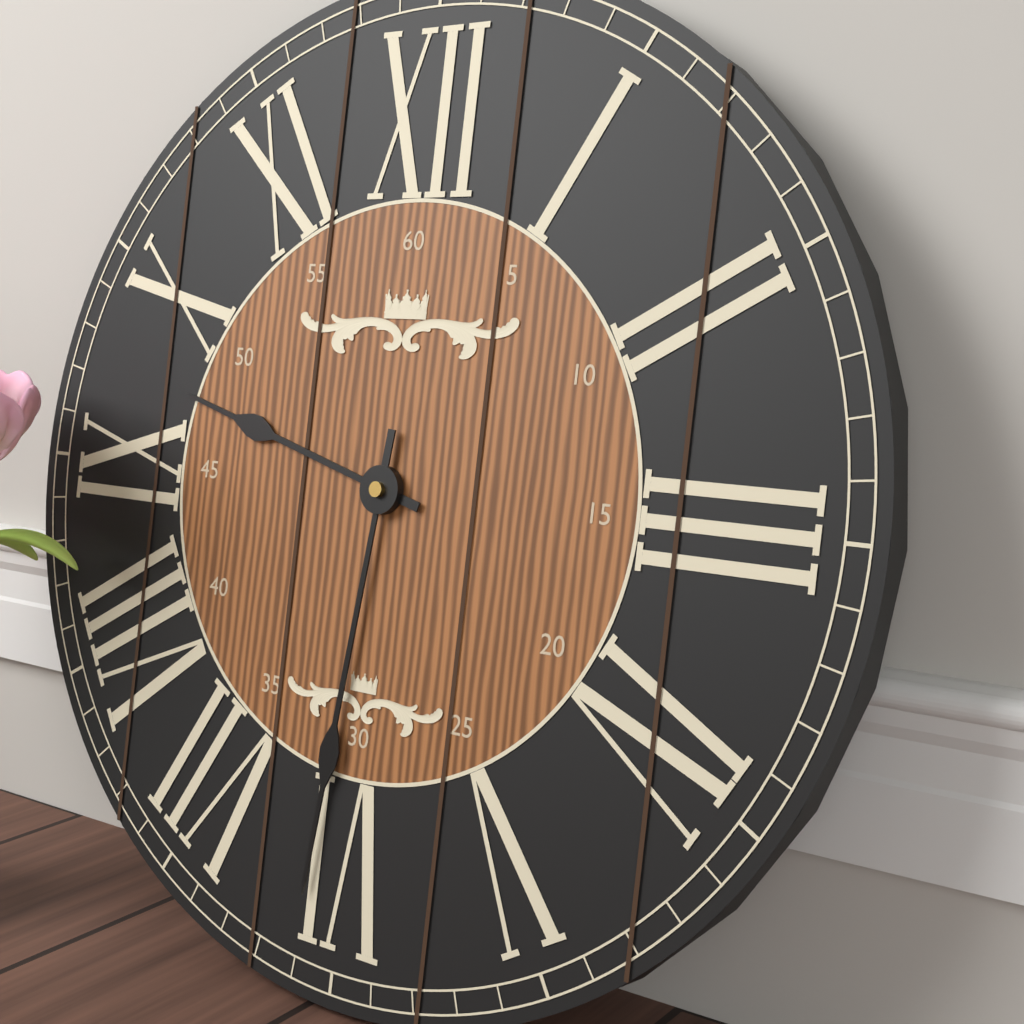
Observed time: 9:31
